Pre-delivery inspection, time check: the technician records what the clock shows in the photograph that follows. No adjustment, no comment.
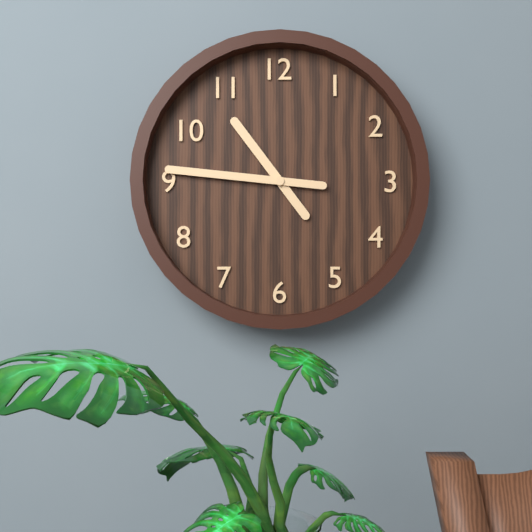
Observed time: 10:46
